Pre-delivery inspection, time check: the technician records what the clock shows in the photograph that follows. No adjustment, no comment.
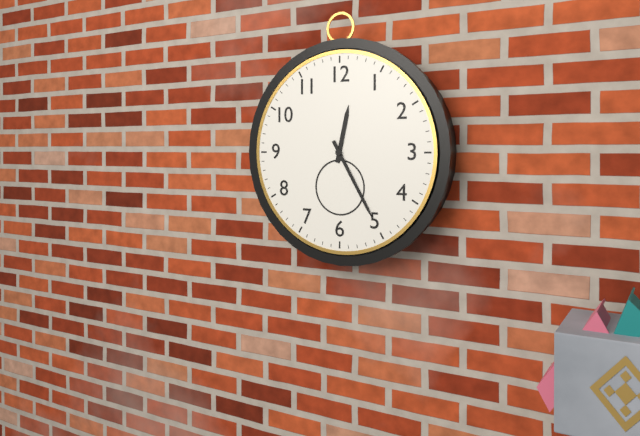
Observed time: 12:25
